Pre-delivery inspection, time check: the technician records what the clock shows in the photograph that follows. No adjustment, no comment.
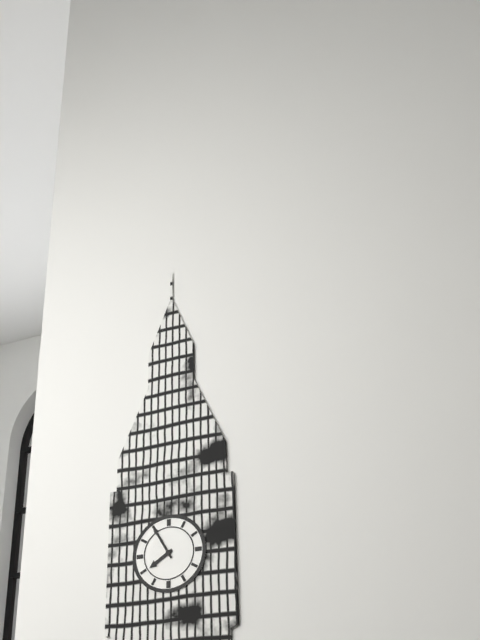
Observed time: 7:55
